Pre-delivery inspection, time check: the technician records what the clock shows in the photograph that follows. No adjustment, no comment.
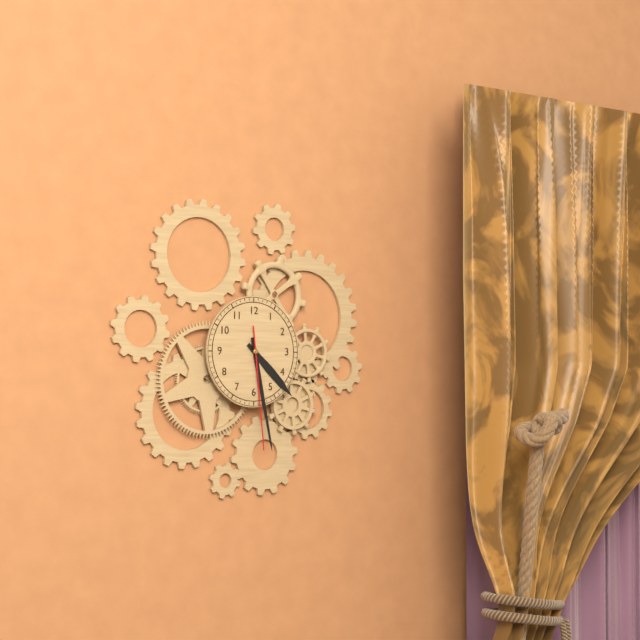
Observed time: 4:28:29
